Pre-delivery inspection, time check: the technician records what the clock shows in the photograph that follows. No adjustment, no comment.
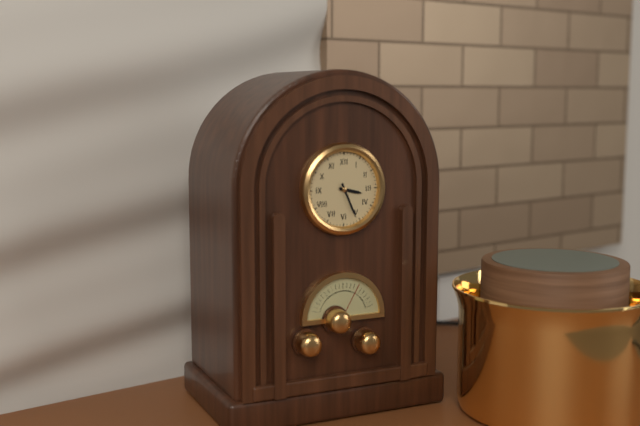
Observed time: 3:26
